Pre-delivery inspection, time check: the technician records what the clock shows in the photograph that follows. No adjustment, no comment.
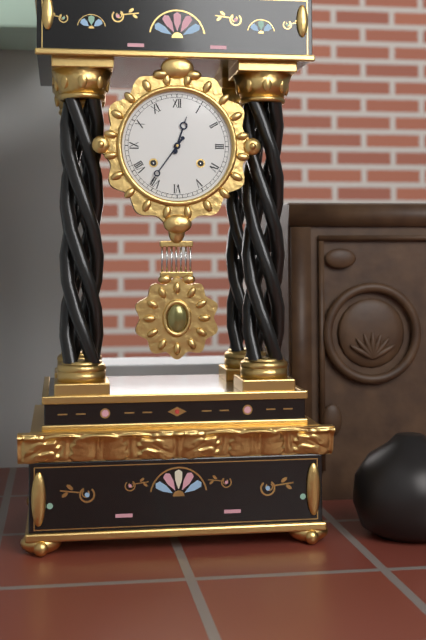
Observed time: 12:36
